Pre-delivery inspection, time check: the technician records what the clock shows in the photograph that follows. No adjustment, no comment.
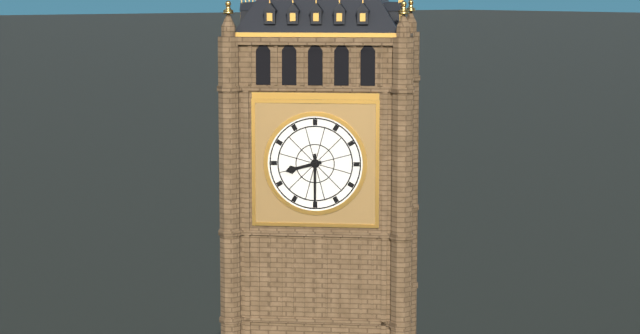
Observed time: 8:30
